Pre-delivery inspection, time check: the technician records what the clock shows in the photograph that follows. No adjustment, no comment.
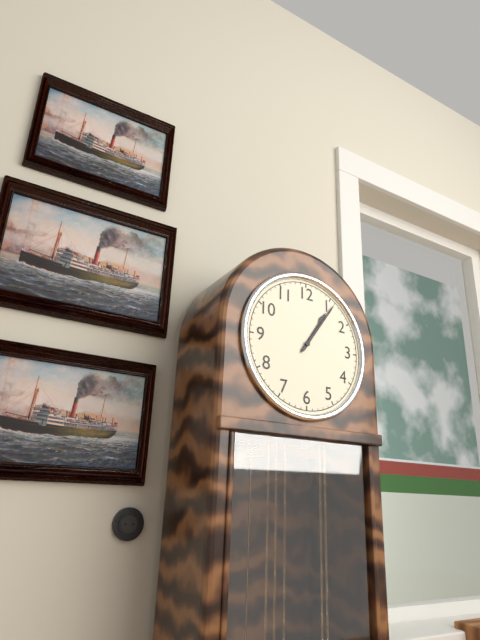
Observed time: 1:06
